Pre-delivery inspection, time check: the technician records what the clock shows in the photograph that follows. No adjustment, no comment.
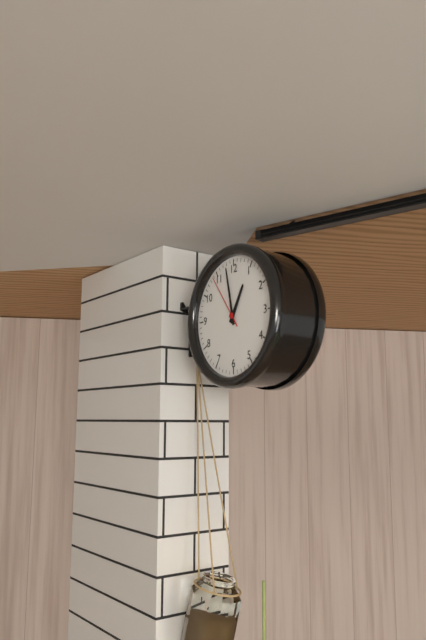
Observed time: 12:58:54
